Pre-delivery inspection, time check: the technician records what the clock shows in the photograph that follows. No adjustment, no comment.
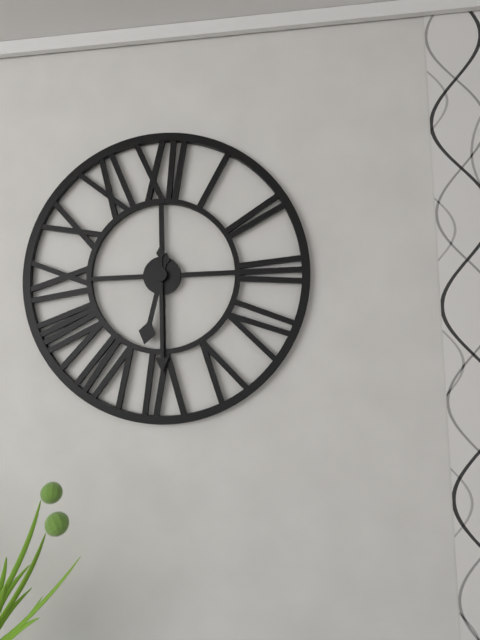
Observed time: 6:30
